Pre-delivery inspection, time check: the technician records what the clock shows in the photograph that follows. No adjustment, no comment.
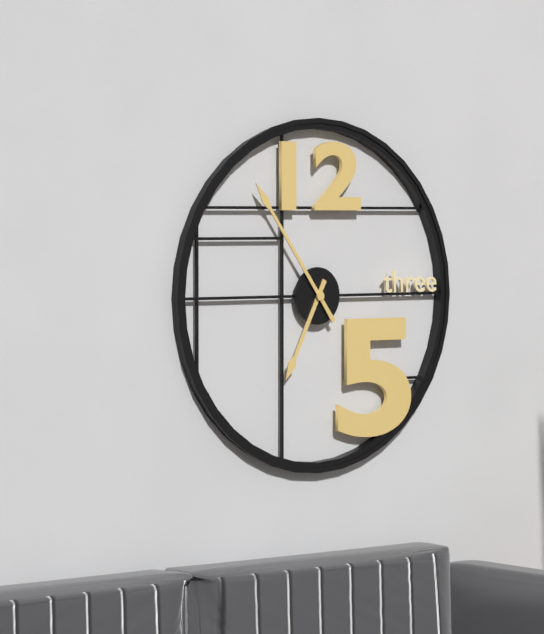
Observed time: 6:54
